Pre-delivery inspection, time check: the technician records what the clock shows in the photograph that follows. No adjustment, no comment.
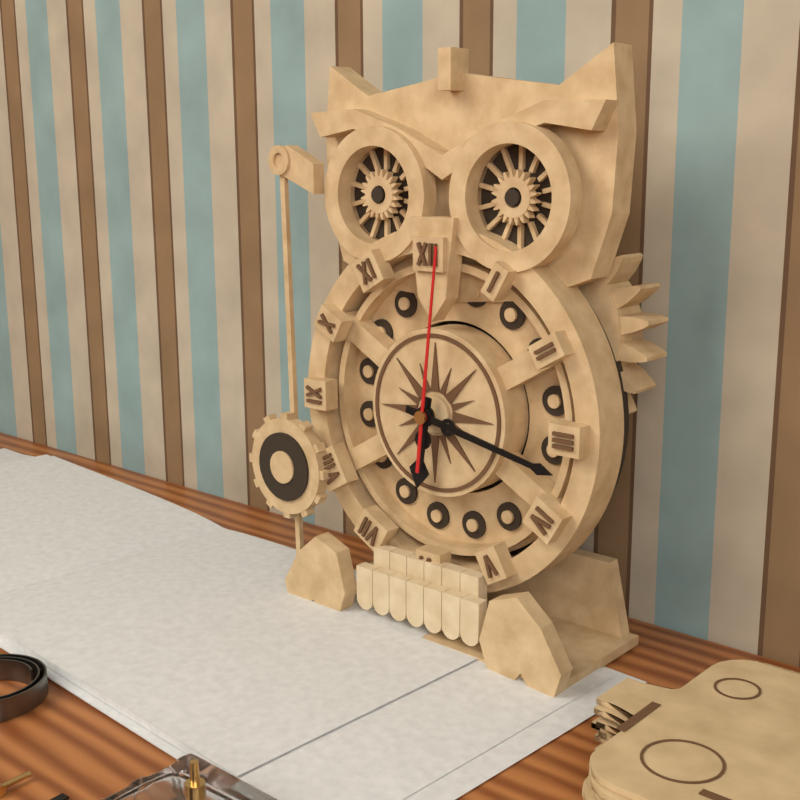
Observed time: 6:17:01
